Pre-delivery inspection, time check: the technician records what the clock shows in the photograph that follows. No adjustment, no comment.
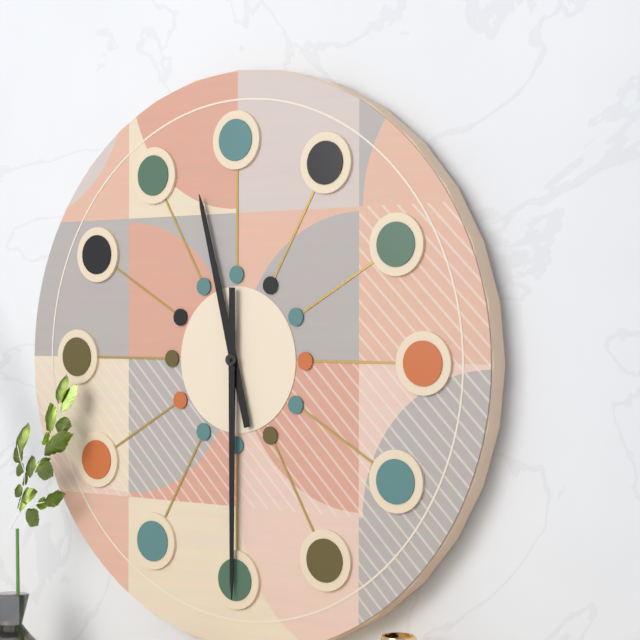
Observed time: 11:30
